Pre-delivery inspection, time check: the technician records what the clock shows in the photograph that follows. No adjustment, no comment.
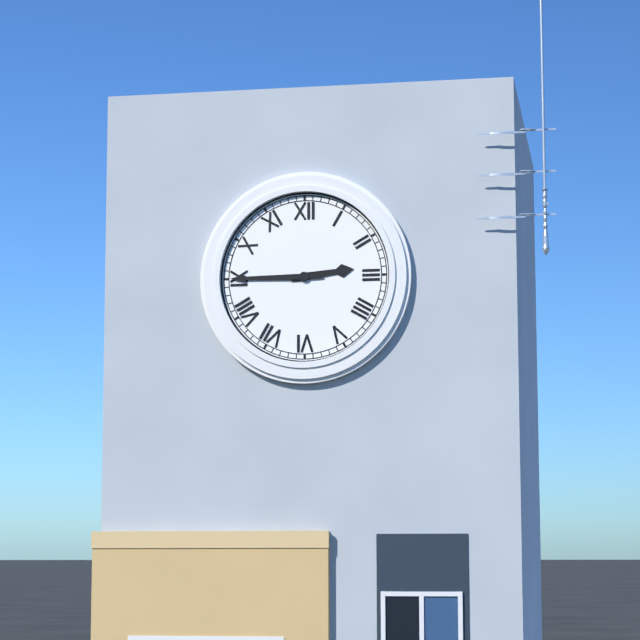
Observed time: 2:45
